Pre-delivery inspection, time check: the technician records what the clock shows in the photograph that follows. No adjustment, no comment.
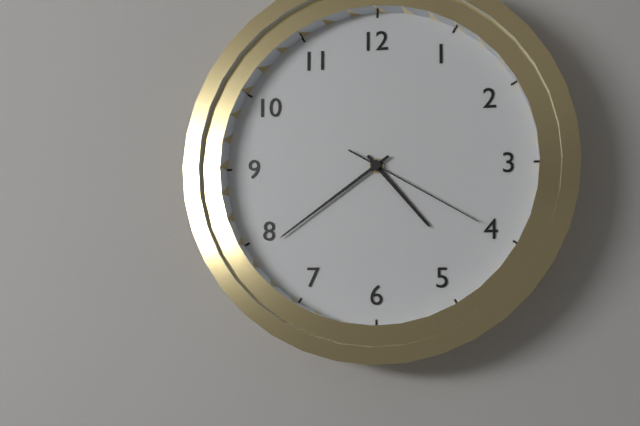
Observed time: 4:39:20
